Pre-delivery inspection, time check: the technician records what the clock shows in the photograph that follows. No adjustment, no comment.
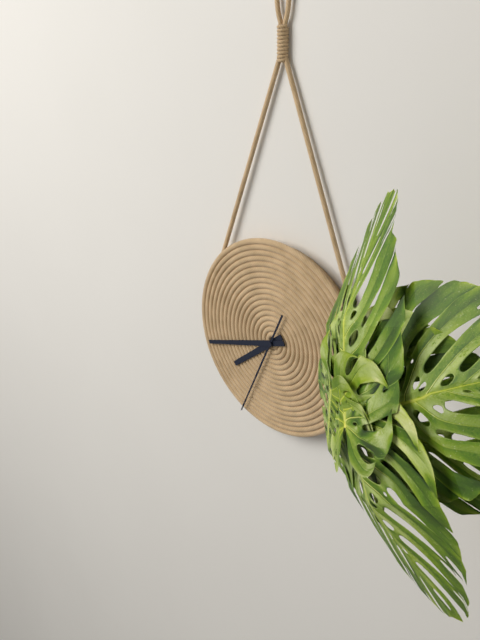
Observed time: 7:42:34
